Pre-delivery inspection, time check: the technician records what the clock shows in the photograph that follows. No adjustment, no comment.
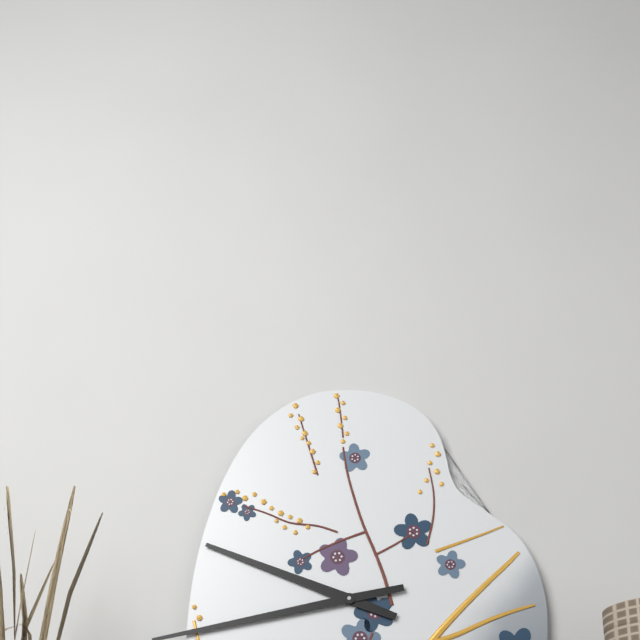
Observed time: 9:43
